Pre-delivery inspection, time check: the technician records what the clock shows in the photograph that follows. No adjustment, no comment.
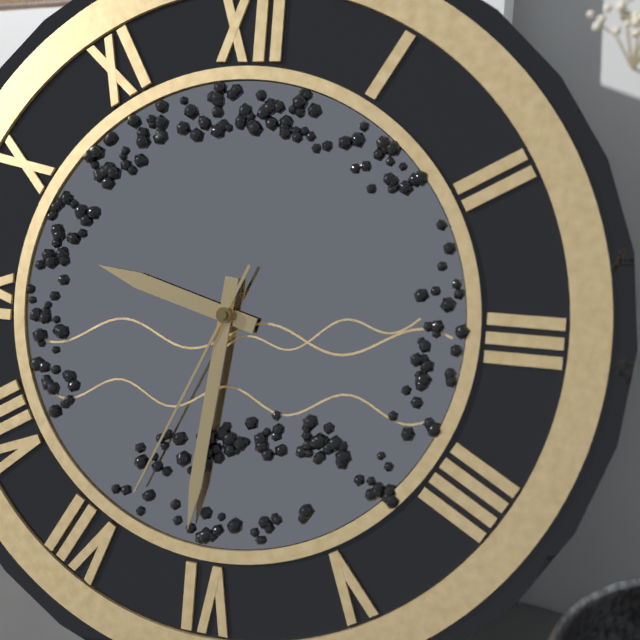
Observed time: 9:31:34
